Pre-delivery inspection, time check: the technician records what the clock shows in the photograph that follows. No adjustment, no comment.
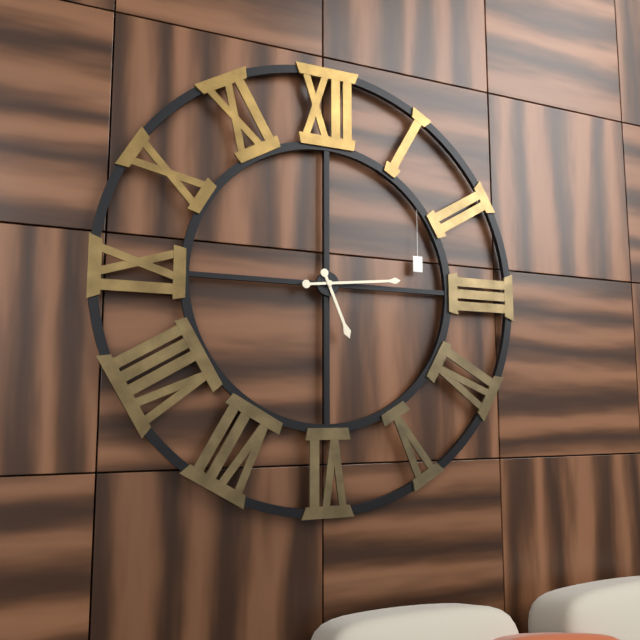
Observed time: 5:14
